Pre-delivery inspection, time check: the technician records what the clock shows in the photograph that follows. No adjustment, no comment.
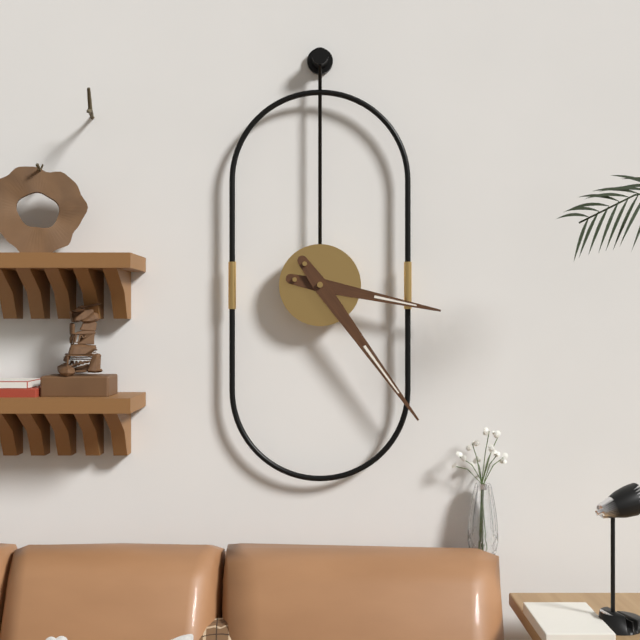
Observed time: 3:24
